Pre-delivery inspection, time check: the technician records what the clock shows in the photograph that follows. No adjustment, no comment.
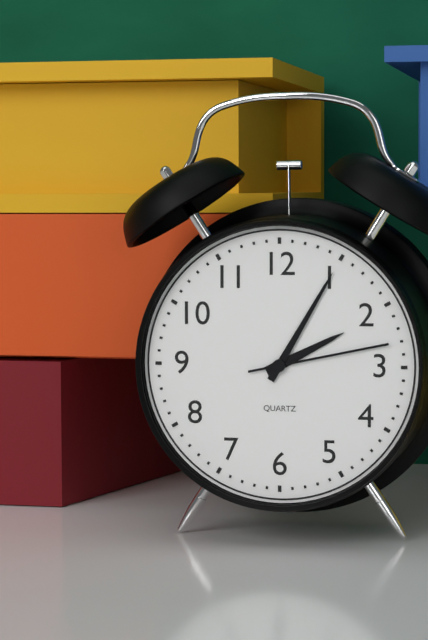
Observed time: 2:05:13
